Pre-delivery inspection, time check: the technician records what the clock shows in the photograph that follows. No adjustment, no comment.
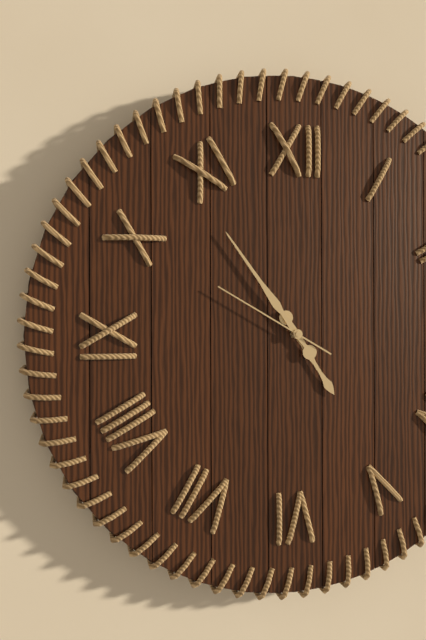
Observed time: 4:54:50
